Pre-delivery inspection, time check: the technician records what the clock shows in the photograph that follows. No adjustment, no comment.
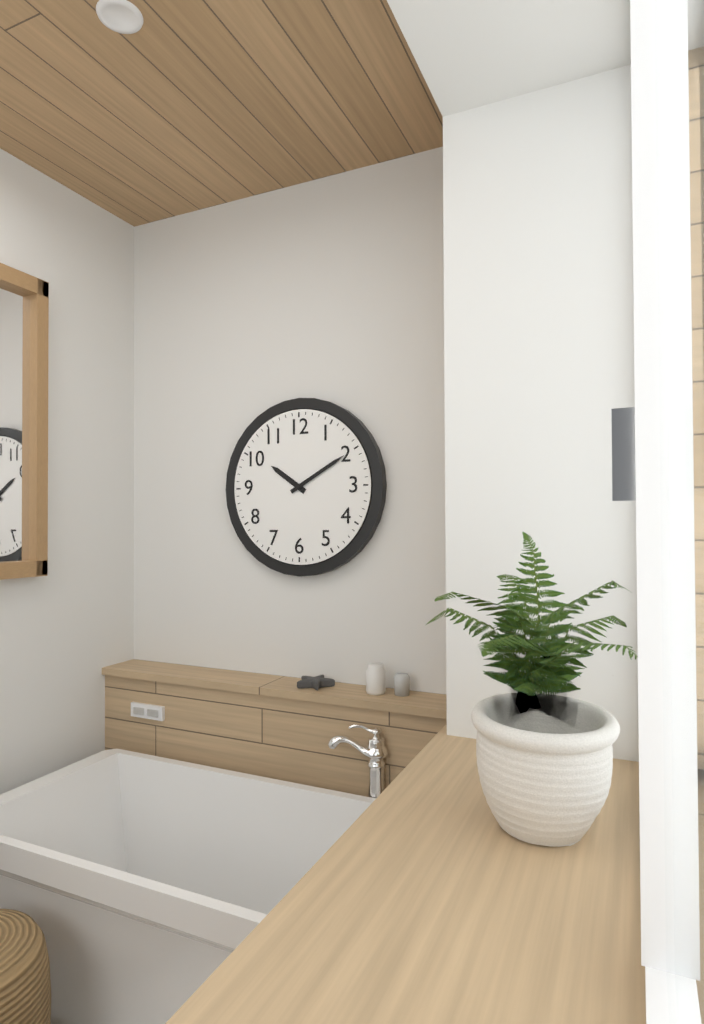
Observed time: 10:10
